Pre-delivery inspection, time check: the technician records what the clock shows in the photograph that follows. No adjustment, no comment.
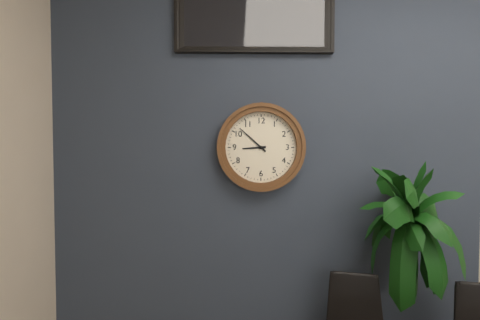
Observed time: 8:52
